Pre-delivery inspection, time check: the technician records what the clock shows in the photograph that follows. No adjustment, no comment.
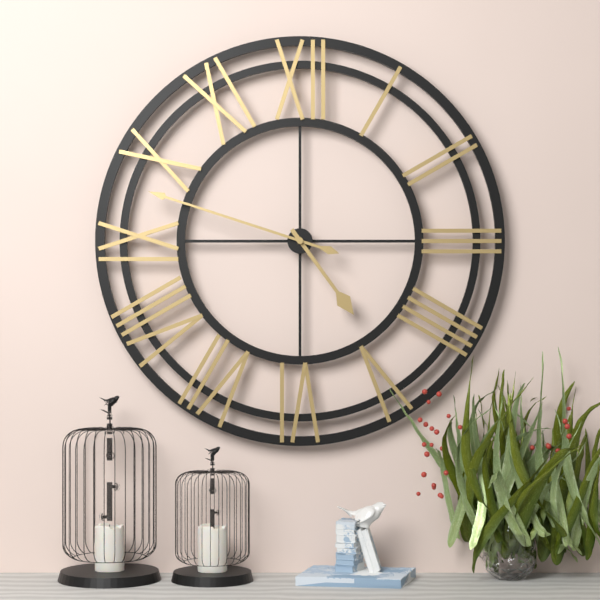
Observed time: 4:48
